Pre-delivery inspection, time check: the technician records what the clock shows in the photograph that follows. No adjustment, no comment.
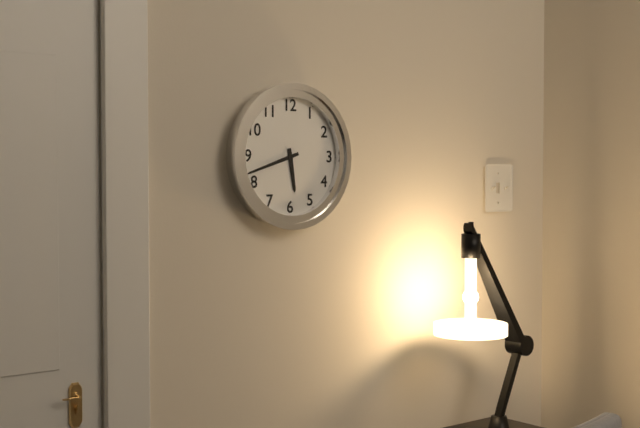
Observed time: 5:42
